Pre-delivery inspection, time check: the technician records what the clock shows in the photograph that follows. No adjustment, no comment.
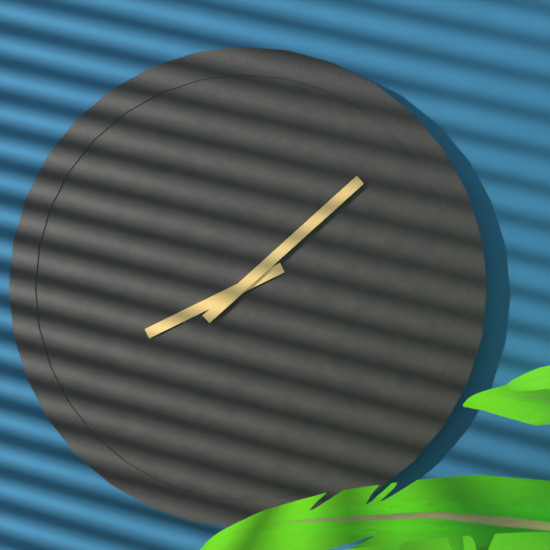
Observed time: 8:08
